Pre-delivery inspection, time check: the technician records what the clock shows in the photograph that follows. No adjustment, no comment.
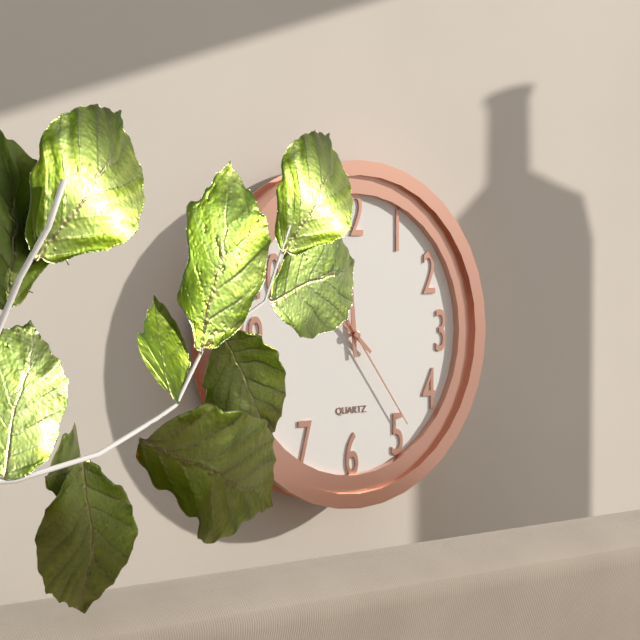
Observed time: 11:52:24
